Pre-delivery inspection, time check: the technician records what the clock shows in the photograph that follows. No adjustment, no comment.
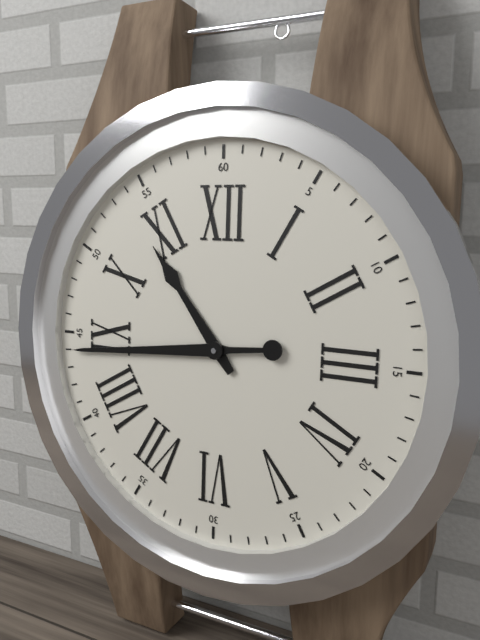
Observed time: 10:44
